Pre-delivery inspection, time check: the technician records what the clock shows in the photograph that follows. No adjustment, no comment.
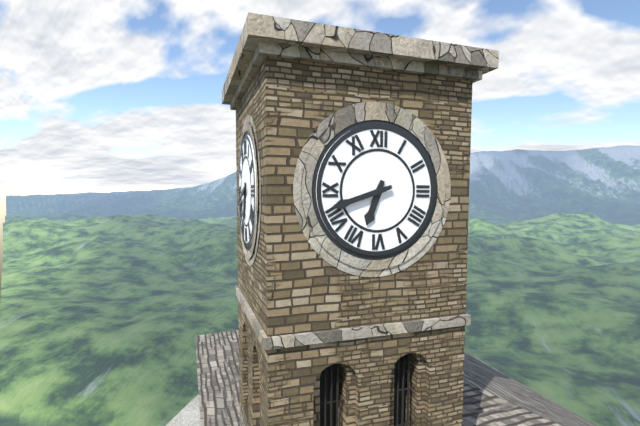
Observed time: 6:42
